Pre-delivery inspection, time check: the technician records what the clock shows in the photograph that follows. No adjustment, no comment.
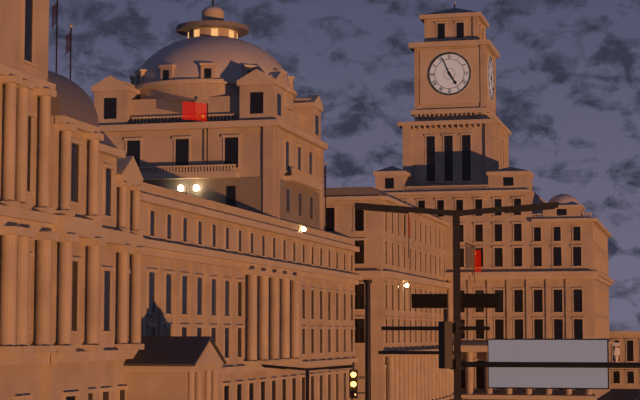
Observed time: 4:56
